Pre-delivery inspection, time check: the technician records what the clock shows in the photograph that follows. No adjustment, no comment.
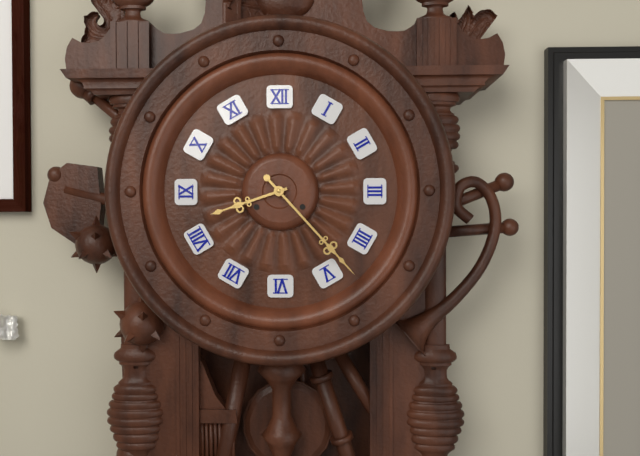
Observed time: 8:23
